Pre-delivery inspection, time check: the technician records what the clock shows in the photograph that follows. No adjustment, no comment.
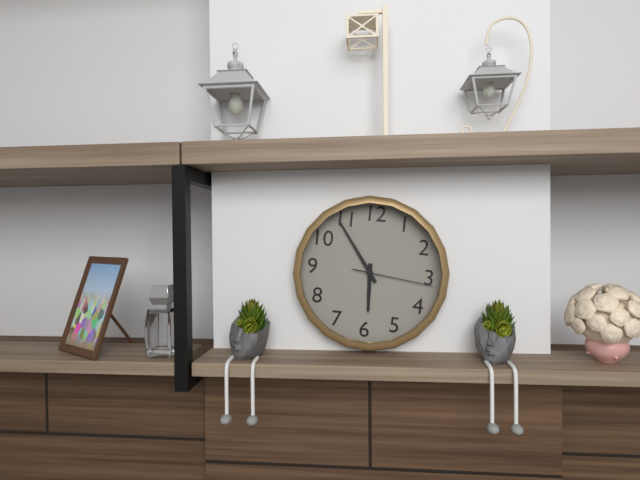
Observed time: 5:54:16
